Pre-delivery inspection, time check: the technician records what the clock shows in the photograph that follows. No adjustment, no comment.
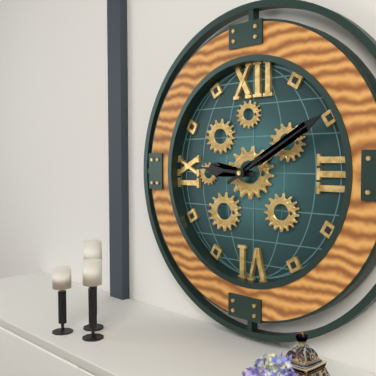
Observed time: 9:10
